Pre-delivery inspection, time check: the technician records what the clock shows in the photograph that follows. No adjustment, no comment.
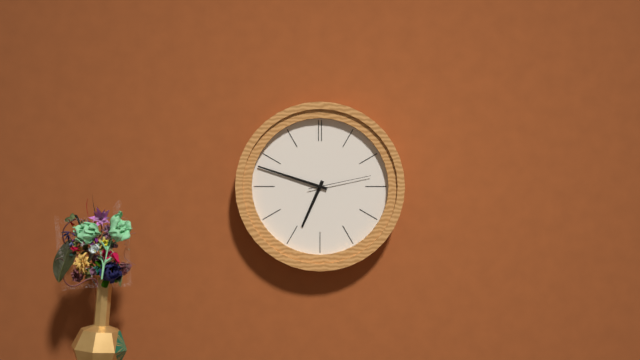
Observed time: 6:48:13
